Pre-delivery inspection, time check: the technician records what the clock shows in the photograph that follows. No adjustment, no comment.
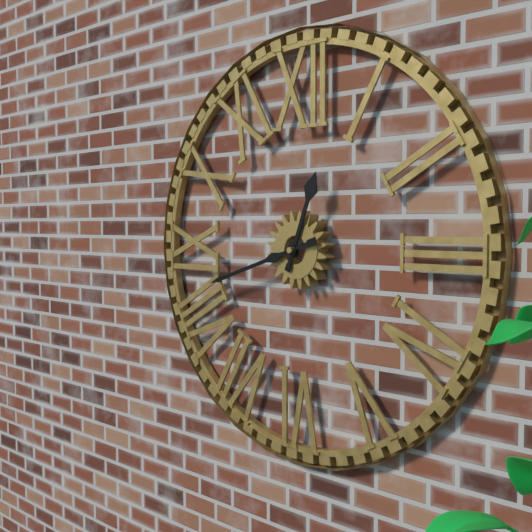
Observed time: 12:42
